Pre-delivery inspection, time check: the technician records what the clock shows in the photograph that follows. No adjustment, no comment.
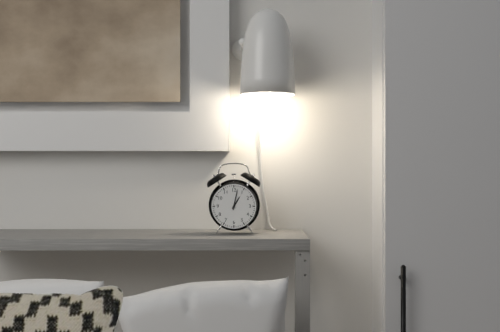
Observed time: 1:02
